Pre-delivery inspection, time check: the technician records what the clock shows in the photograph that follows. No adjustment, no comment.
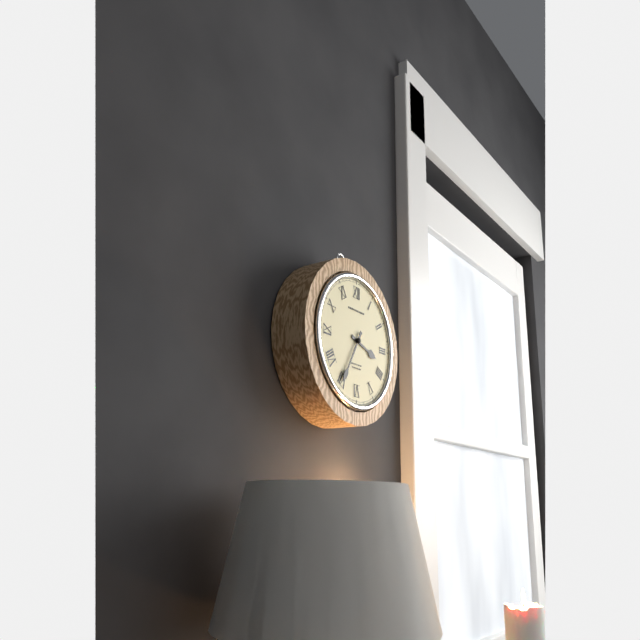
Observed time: 3:35
